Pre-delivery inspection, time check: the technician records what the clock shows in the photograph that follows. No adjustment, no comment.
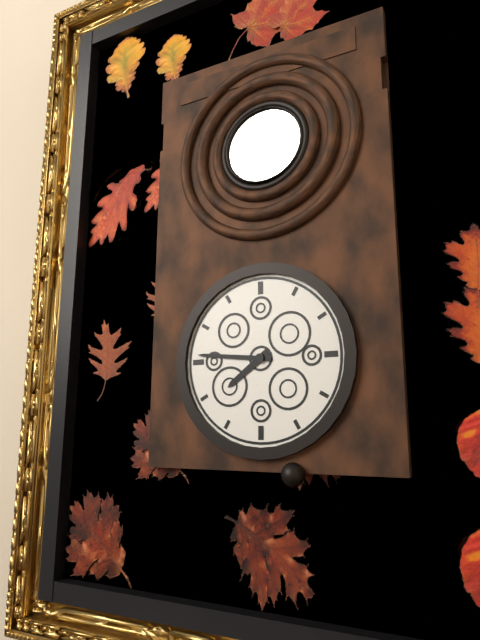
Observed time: 7:46
